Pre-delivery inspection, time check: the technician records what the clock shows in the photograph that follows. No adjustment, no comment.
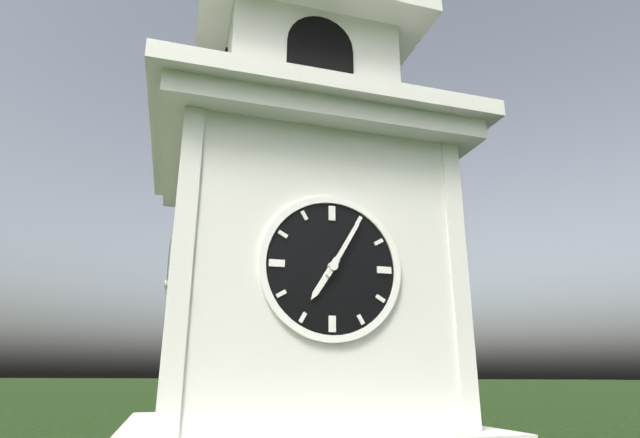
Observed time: 7:05
